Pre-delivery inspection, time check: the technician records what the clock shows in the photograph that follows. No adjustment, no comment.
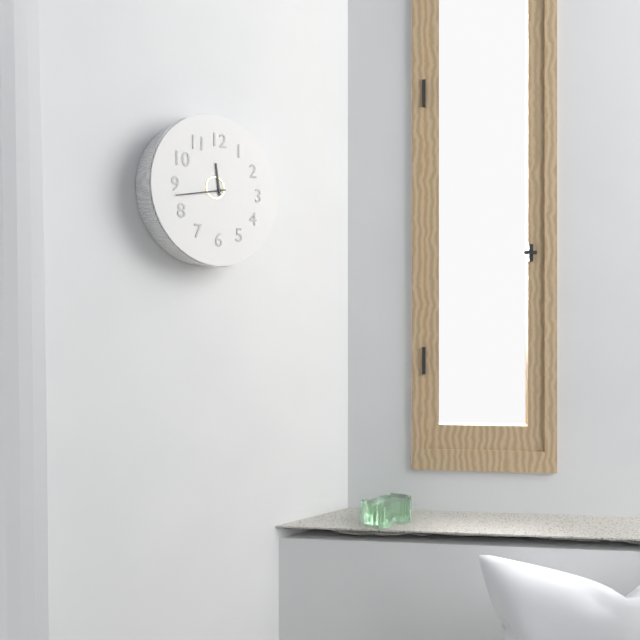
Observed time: 11:43
